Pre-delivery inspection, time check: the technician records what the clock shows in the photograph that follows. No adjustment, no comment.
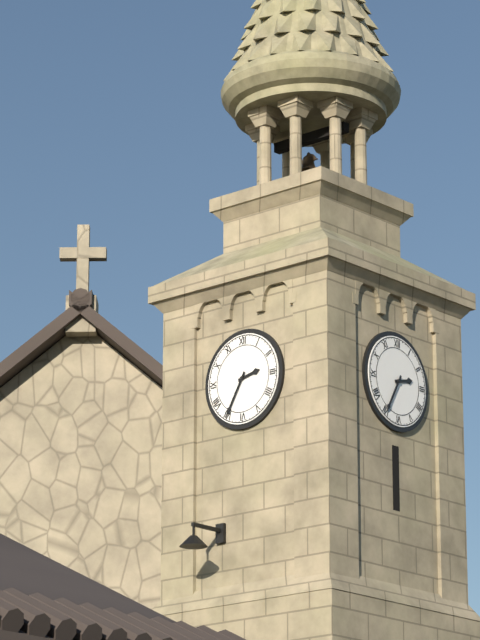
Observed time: 2:35
